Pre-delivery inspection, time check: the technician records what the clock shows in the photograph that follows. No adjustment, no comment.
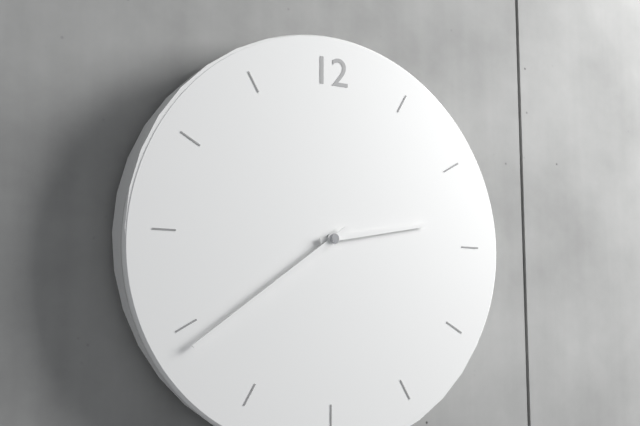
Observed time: 2:39
